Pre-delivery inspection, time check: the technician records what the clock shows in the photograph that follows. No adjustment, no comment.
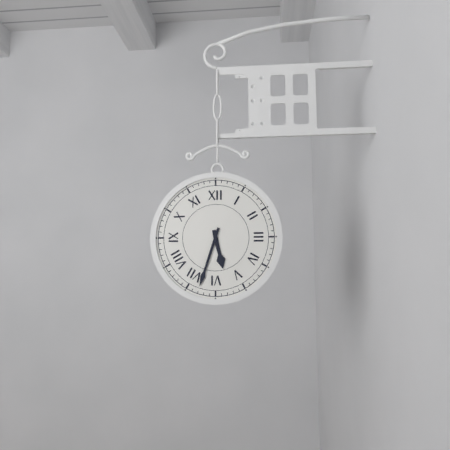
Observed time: 5:33
